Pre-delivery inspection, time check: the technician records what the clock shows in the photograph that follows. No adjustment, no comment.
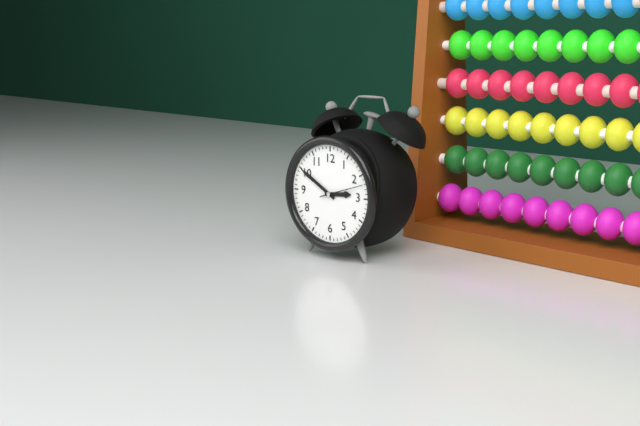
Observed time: 2:50
